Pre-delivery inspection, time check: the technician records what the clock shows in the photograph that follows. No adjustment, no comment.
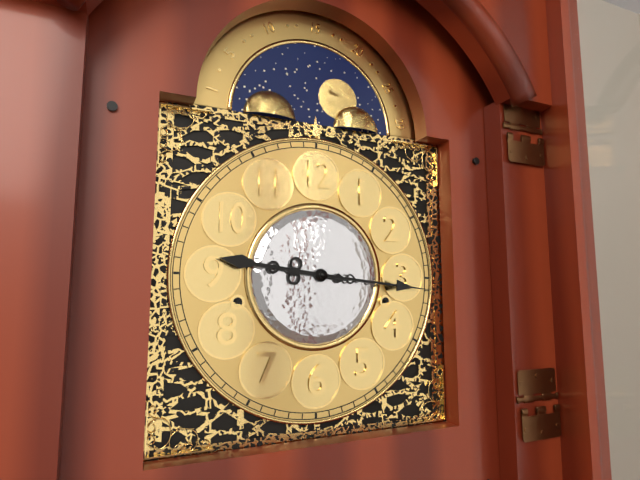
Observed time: 9:16
